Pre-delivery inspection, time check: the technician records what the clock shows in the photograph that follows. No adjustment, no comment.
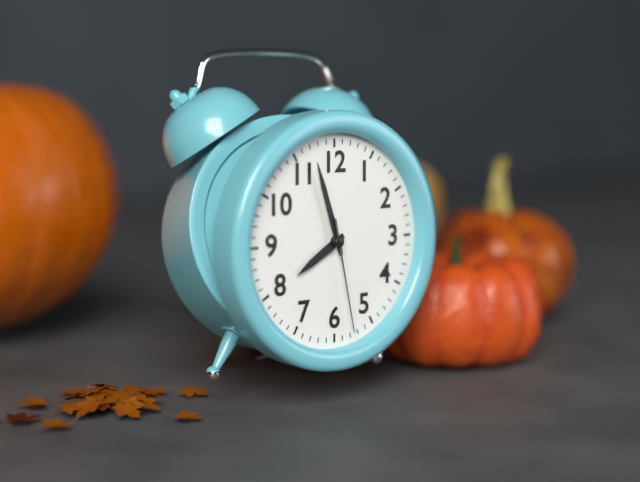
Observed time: 7:57:28
